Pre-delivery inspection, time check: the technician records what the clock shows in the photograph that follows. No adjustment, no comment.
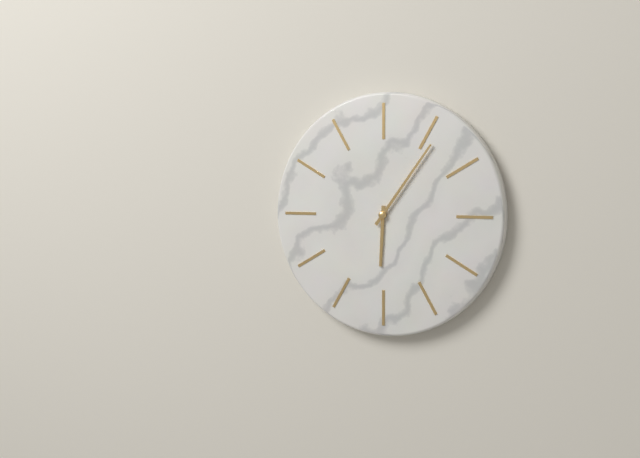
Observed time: 6:06
